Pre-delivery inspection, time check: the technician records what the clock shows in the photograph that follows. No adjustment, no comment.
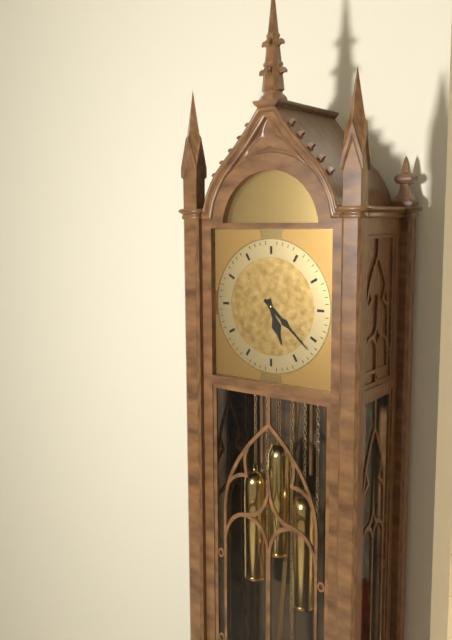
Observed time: 5:22
